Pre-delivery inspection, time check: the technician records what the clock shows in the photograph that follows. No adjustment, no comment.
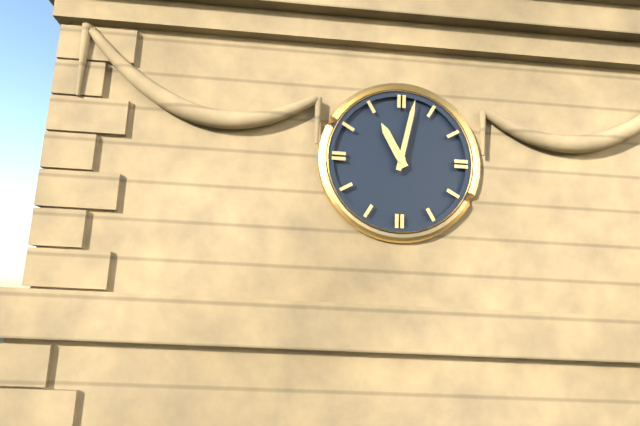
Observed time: 11:02
